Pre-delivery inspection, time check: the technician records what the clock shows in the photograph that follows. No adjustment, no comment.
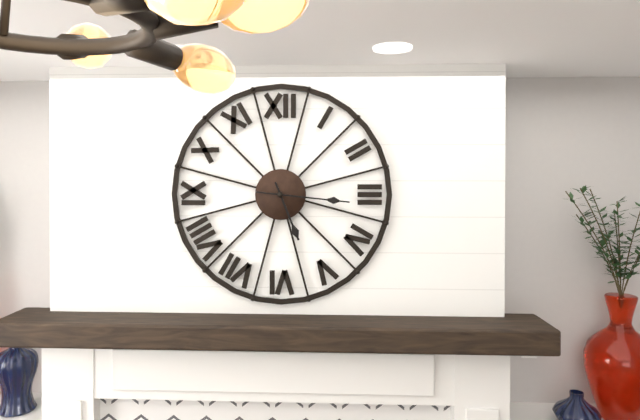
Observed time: 5:16
